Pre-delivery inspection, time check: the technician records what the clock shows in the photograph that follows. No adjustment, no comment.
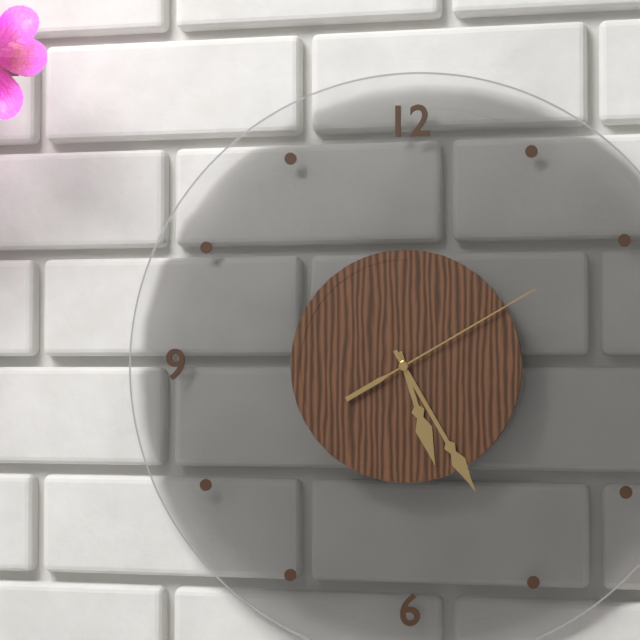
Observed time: 5:25:10
